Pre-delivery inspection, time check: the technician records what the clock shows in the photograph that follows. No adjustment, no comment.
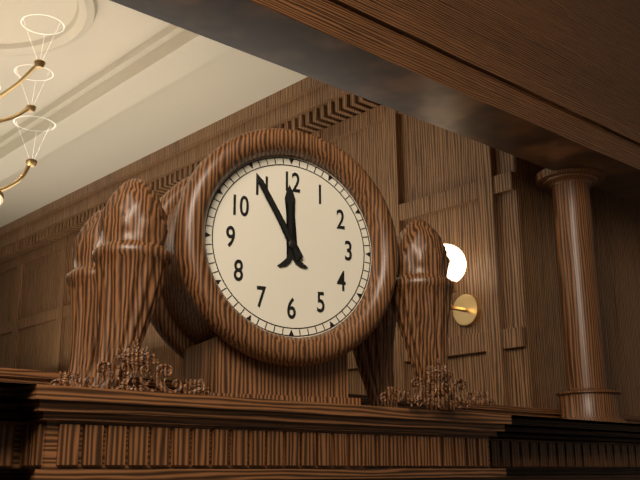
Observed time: 11:55
